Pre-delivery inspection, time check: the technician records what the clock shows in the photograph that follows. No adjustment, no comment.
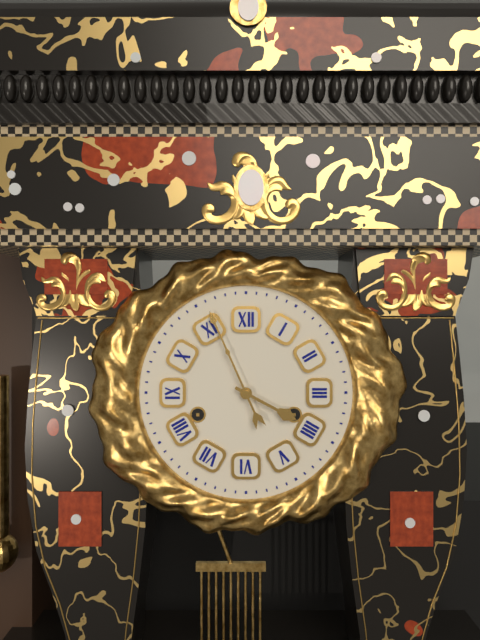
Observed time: 3:56
